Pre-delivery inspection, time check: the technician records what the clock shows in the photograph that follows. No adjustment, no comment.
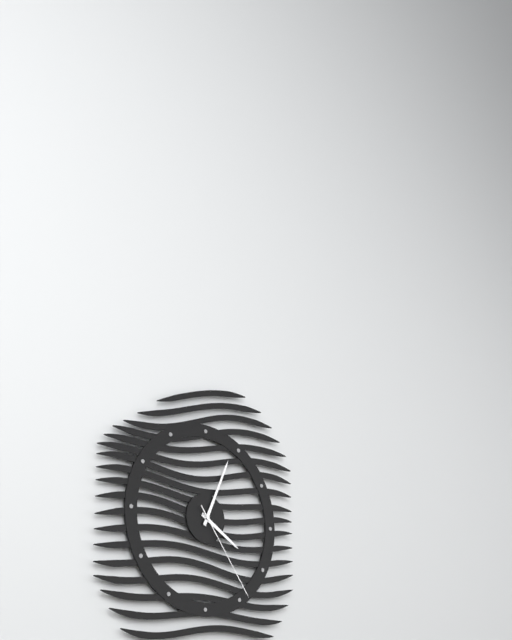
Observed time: 4:04:24
